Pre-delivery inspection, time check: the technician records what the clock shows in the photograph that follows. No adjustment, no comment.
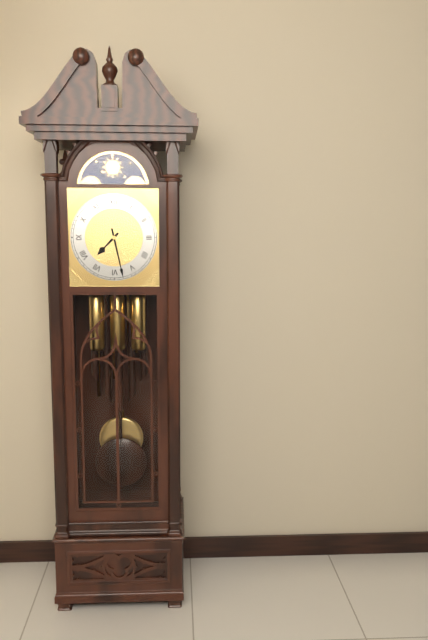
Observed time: 7:28
